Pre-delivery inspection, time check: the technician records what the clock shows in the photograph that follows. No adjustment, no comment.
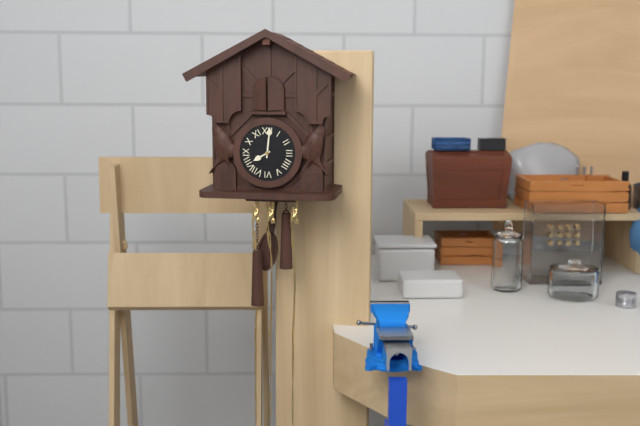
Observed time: 8:01
